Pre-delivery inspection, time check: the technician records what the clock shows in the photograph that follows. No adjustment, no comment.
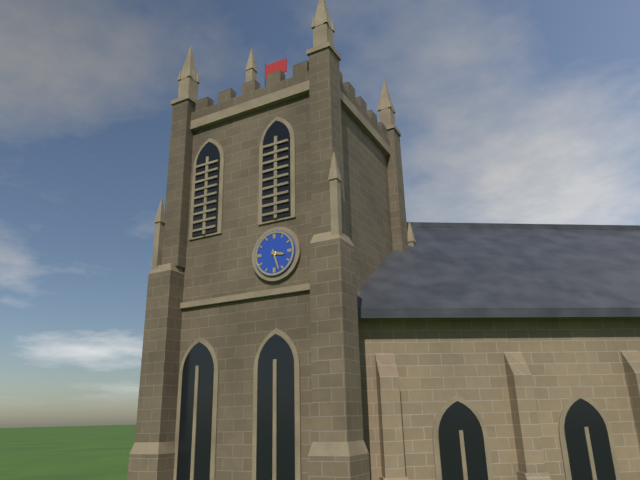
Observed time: 3:27
